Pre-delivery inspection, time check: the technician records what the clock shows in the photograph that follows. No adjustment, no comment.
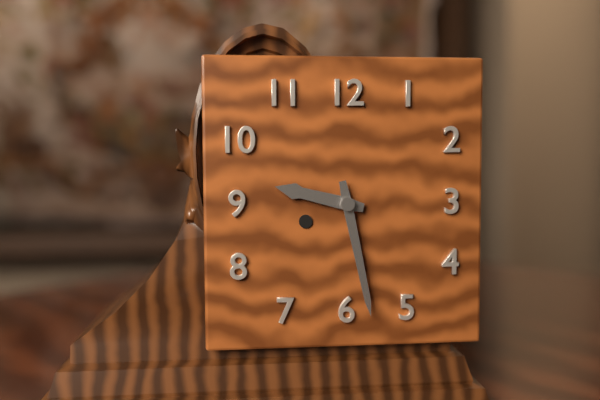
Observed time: 9:28
